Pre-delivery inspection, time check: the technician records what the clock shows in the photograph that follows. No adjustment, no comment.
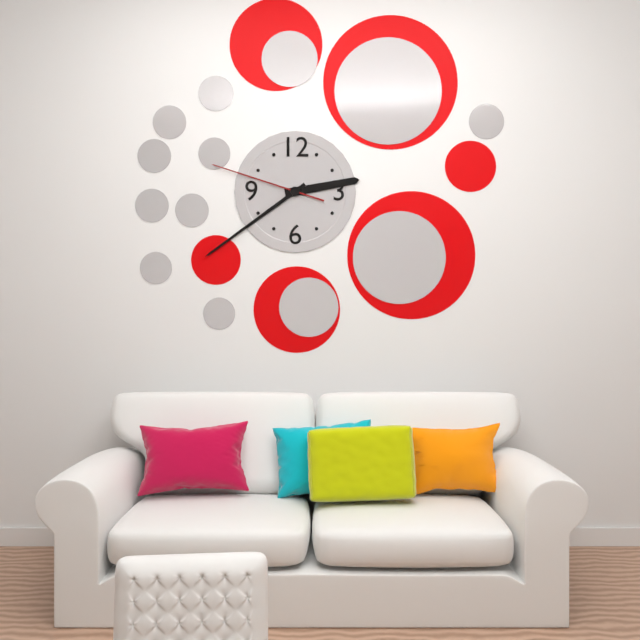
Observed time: 2:39:48
